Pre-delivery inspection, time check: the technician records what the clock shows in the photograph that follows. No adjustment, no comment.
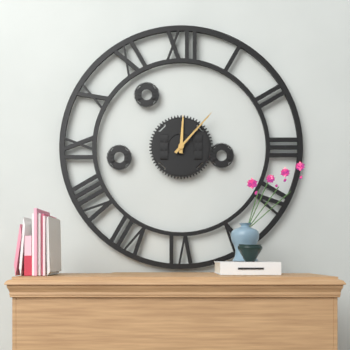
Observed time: 12:07
